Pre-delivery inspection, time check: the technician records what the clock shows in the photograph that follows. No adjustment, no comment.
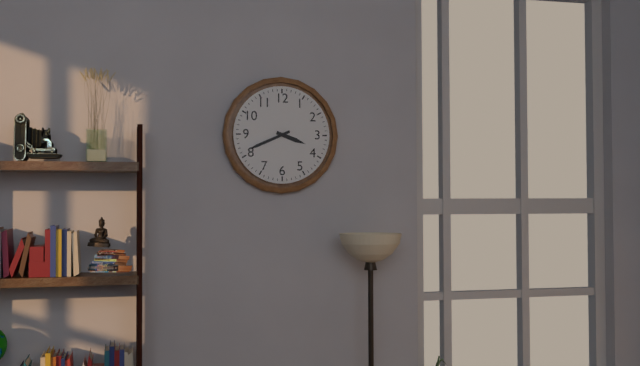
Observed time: 3:41
